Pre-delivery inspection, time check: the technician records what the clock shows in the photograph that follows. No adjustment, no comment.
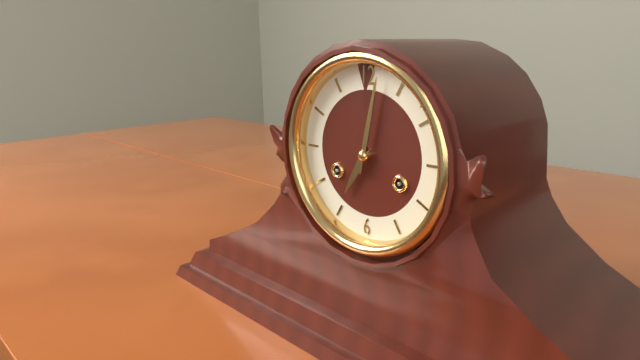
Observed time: 7:02
